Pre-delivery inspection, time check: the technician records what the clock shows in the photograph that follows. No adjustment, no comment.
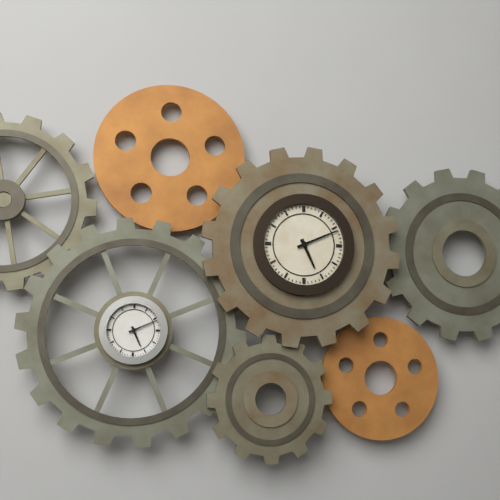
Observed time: 5:11
